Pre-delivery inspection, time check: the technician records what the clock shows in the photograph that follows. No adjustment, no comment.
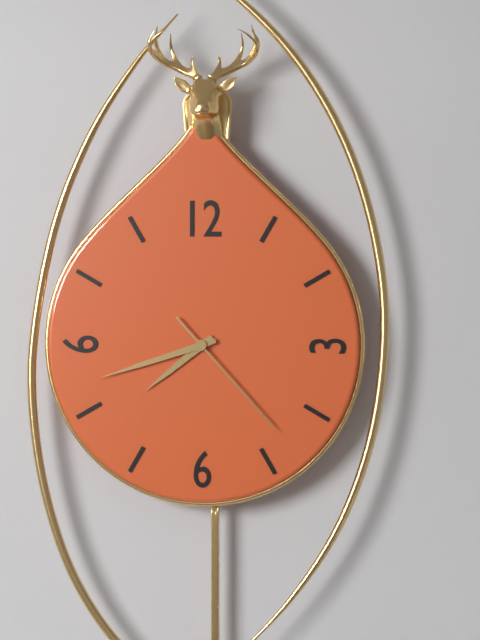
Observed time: 7:42:23
